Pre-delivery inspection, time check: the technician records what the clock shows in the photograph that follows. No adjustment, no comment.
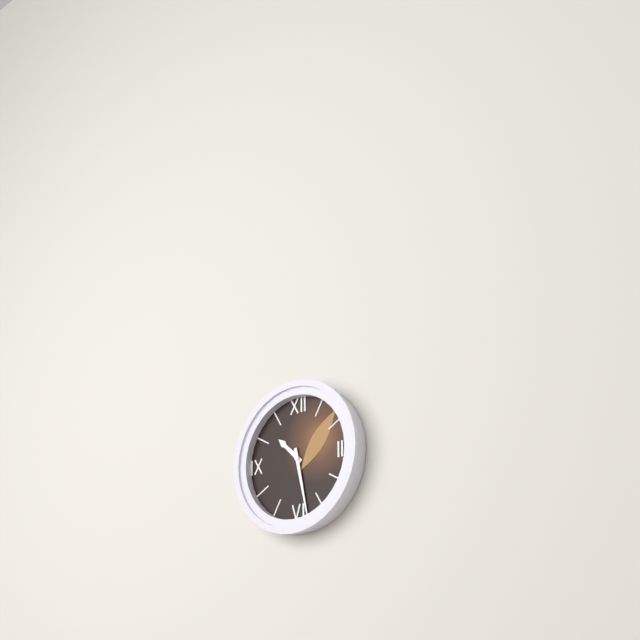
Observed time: 10:28
